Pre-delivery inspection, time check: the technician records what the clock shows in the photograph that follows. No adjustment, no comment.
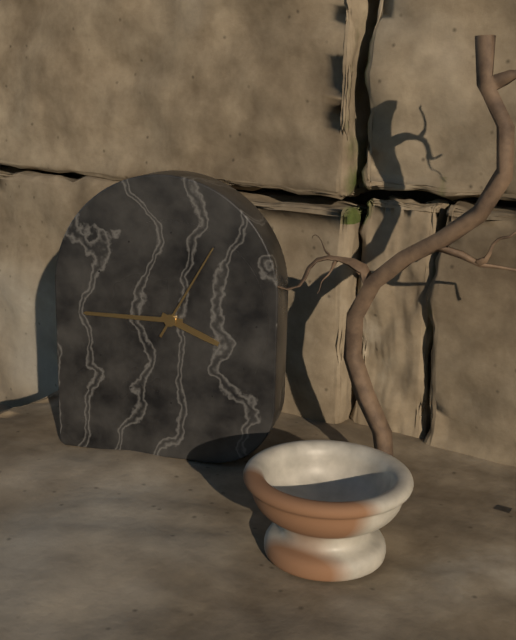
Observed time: 3:45:05
